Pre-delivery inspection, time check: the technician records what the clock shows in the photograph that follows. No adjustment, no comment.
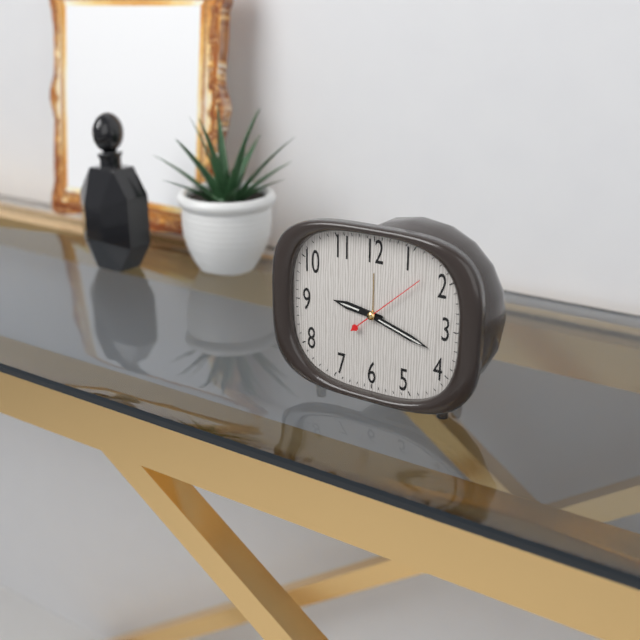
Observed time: 9:18:08
